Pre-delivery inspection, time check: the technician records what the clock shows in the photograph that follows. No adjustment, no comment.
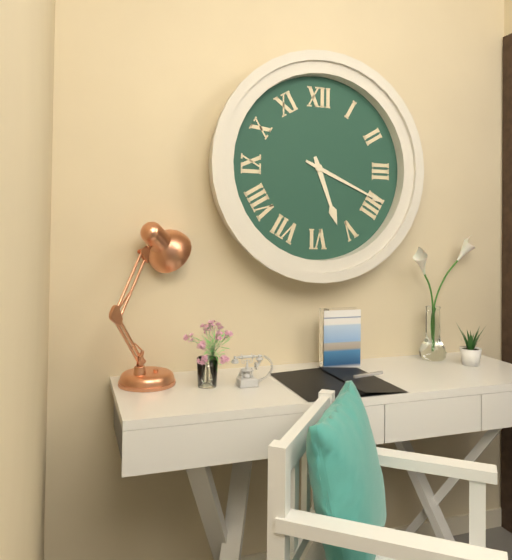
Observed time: 5:19
